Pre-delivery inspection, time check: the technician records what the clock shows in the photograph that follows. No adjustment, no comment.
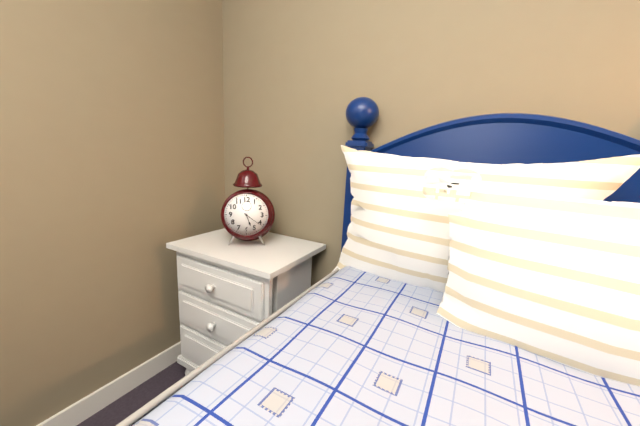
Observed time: 5:21
